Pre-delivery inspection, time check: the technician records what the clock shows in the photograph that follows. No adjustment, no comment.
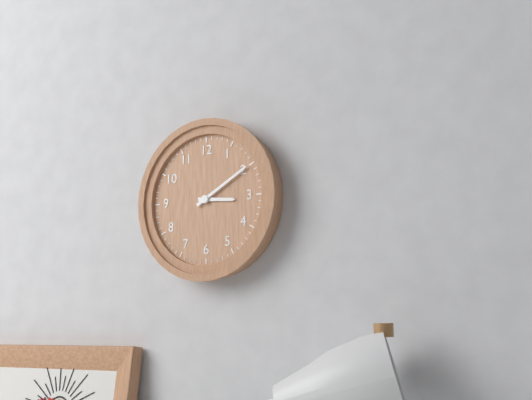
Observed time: 3:10
